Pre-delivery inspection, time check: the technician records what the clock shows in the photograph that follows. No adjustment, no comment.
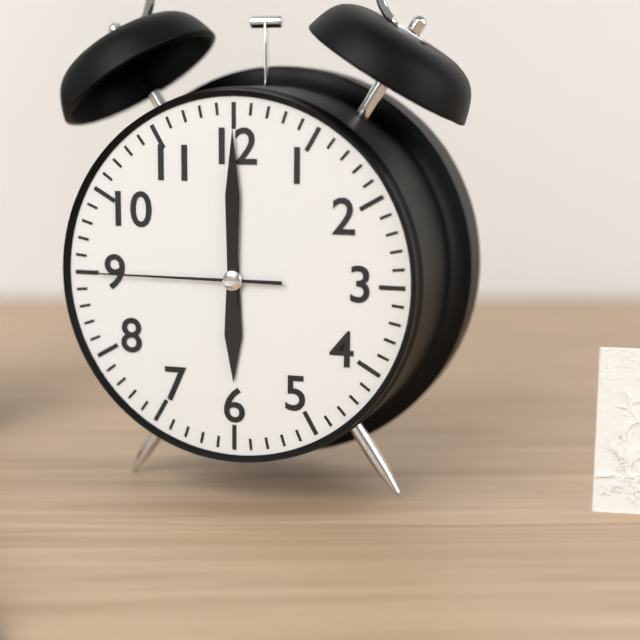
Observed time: 6:00:45
